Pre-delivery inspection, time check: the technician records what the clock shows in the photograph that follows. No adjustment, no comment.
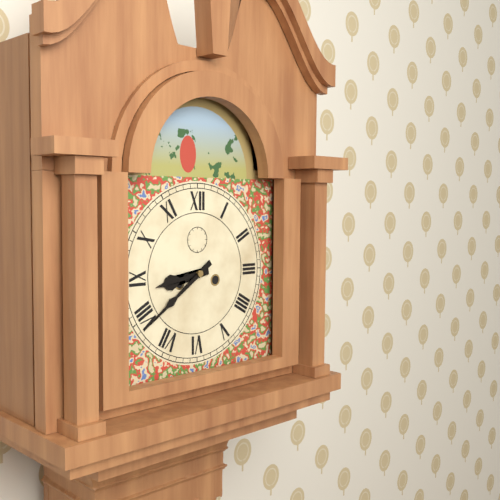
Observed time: 8:39
